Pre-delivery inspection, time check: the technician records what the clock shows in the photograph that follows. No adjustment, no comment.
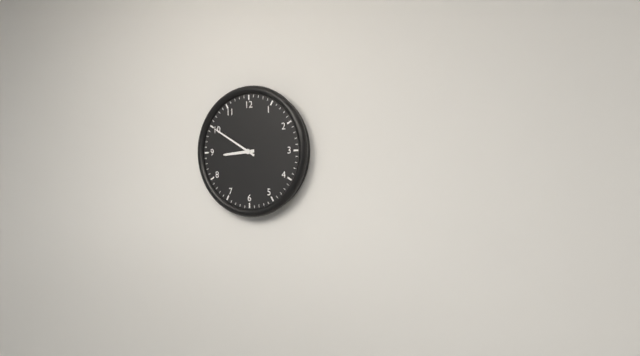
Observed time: 8:50
